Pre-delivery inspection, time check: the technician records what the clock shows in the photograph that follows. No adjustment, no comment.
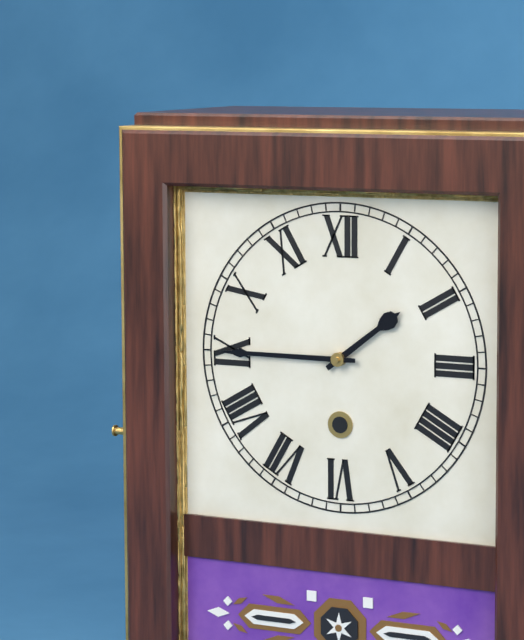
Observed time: 1:45
